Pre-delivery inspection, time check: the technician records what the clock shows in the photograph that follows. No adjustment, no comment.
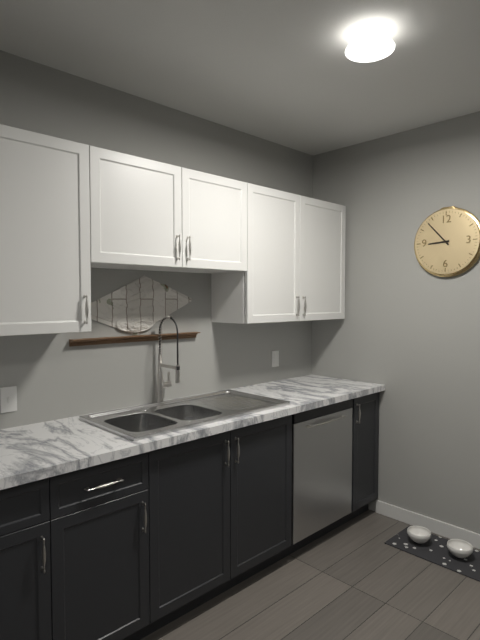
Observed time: 8:53
